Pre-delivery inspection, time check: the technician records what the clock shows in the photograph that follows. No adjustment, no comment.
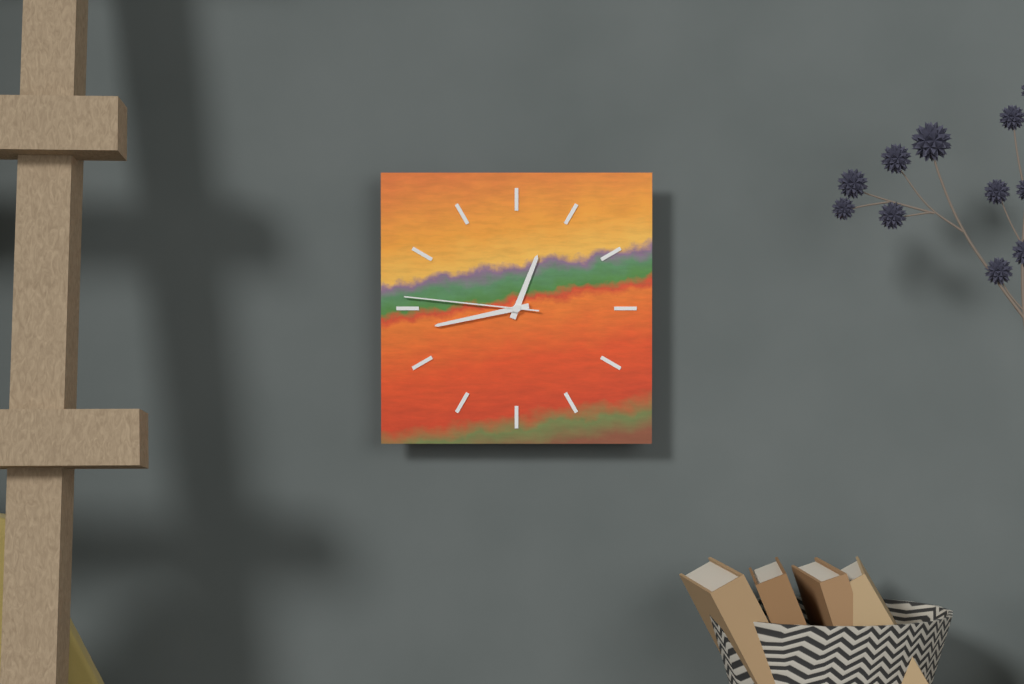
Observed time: 12:43:46
